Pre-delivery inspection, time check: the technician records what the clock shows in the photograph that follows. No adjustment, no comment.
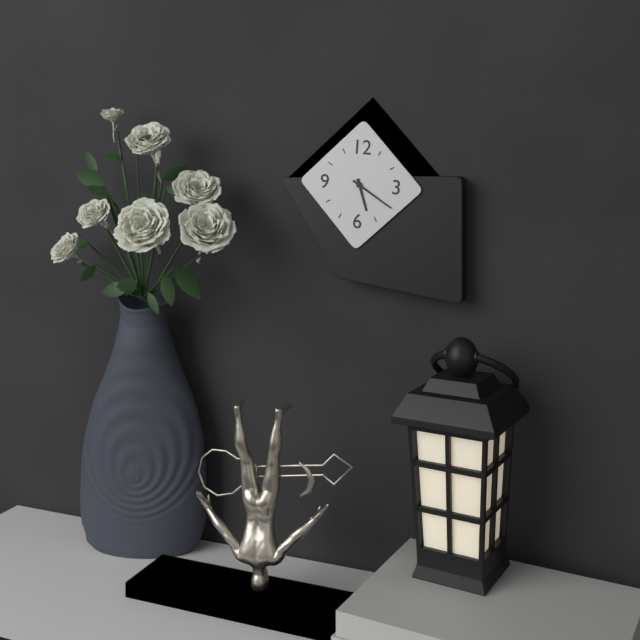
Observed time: 5:20
